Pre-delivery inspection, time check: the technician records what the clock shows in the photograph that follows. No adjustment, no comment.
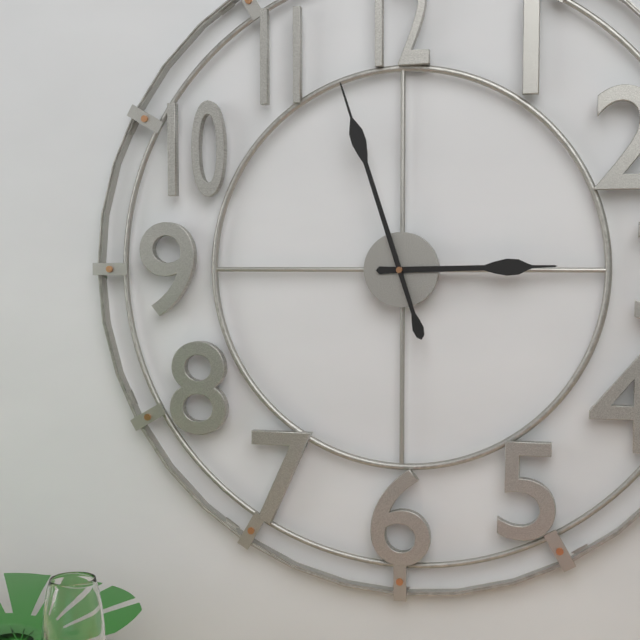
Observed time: 2:57
